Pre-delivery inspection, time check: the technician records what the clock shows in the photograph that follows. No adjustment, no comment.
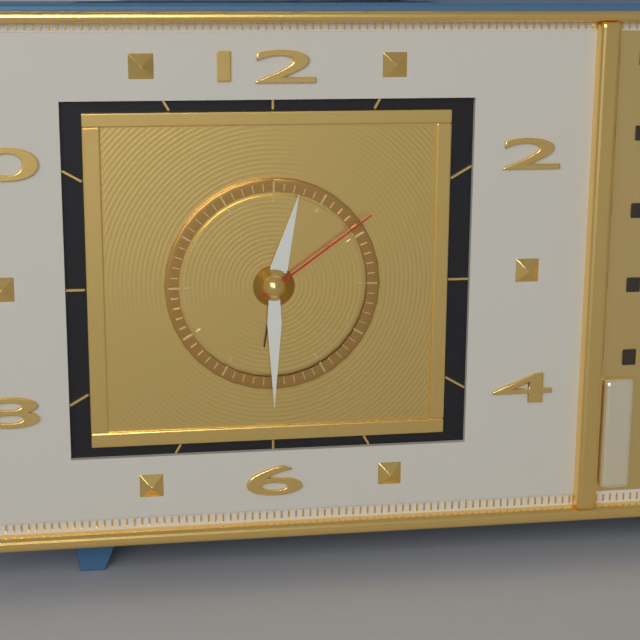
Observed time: 12:30:09
